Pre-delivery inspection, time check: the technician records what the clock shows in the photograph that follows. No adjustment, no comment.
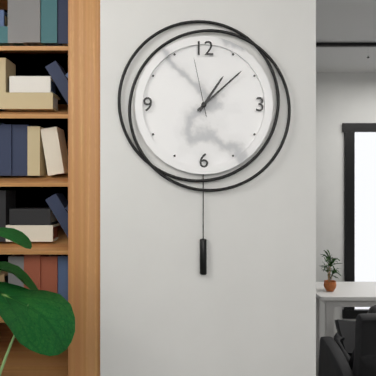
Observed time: 1:08:58
